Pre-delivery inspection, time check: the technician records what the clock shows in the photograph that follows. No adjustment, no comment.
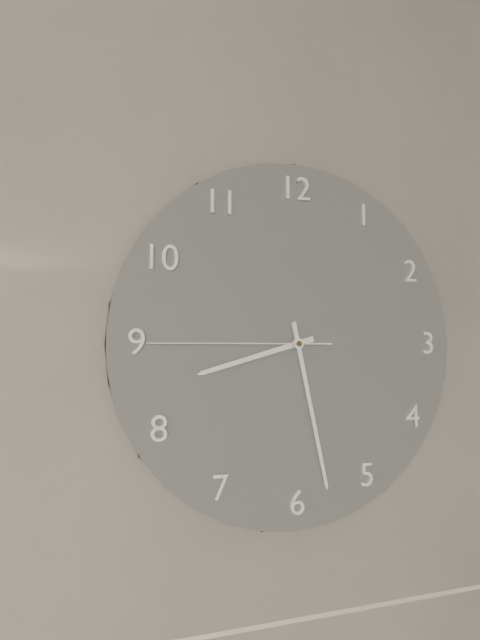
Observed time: 8:28:45
